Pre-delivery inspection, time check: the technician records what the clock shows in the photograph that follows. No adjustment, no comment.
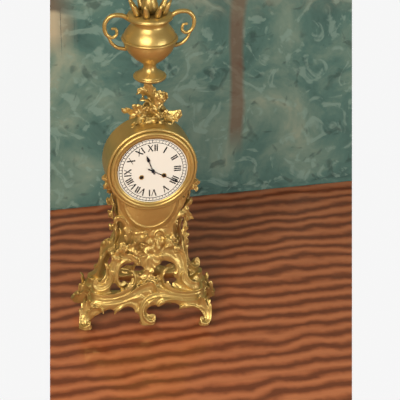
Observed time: 11:20
